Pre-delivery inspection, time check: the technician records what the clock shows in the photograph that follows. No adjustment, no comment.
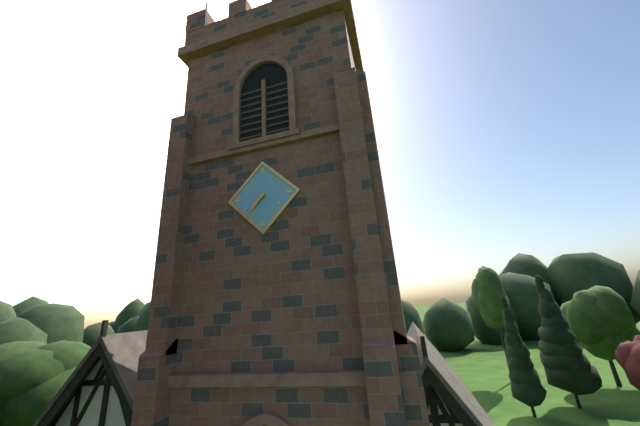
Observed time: 7:37
